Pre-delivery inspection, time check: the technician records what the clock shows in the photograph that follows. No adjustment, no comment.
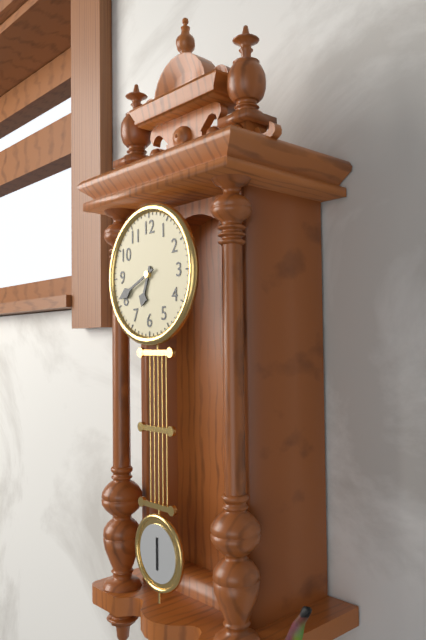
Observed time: 6:41
